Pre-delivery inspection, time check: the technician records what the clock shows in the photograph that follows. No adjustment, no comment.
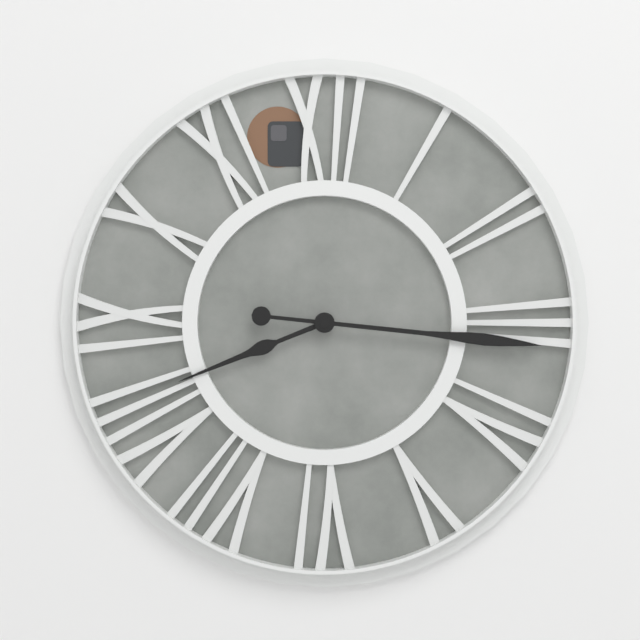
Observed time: 8:16
